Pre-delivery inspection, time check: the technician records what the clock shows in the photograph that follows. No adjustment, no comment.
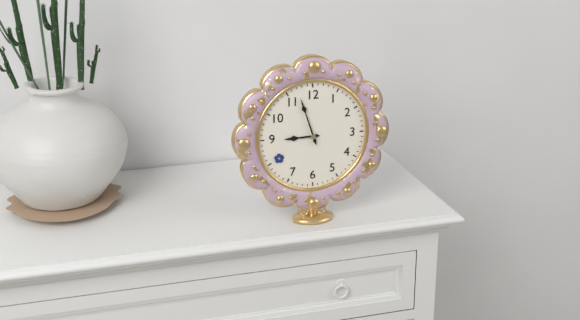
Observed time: 8:57
